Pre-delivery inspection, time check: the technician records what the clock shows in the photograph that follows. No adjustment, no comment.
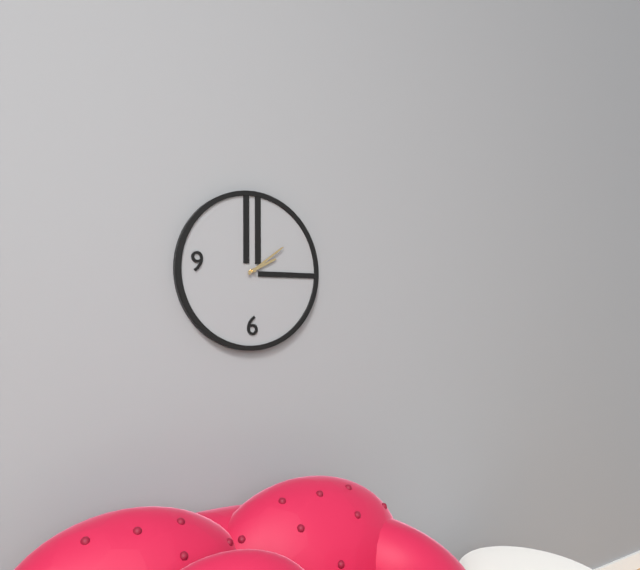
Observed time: 2:09
